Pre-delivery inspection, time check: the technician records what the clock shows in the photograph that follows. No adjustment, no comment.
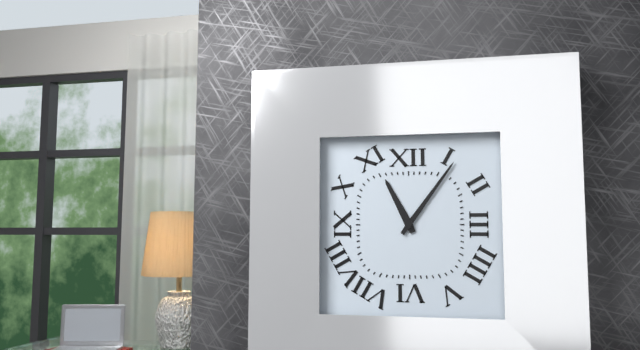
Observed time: 11:06
